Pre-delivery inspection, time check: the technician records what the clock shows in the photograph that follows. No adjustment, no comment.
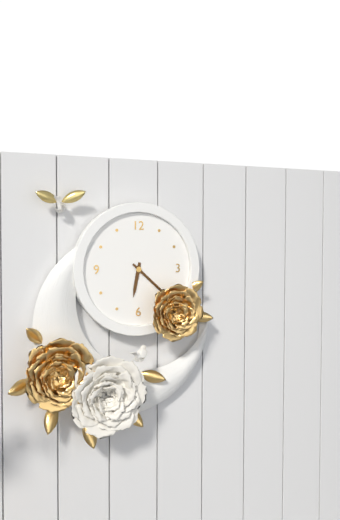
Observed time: 6:22
